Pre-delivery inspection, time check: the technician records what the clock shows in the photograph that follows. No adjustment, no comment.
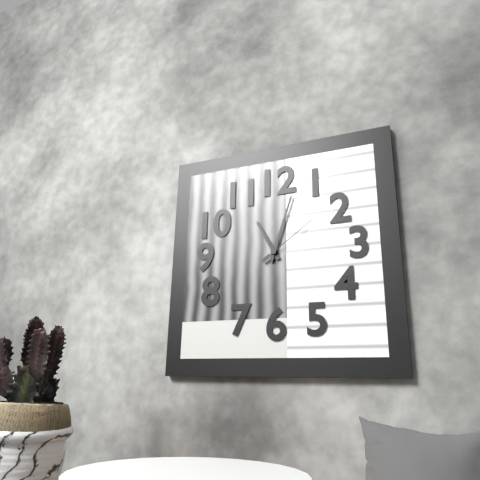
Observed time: 11:03:09
